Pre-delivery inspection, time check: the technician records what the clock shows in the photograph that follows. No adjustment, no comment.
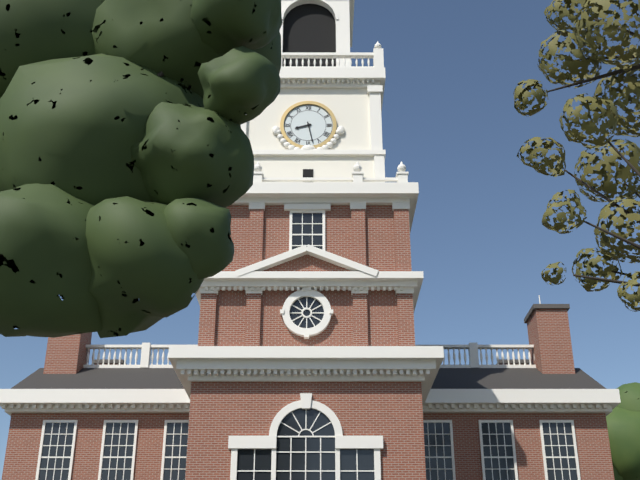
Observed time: 8:28
